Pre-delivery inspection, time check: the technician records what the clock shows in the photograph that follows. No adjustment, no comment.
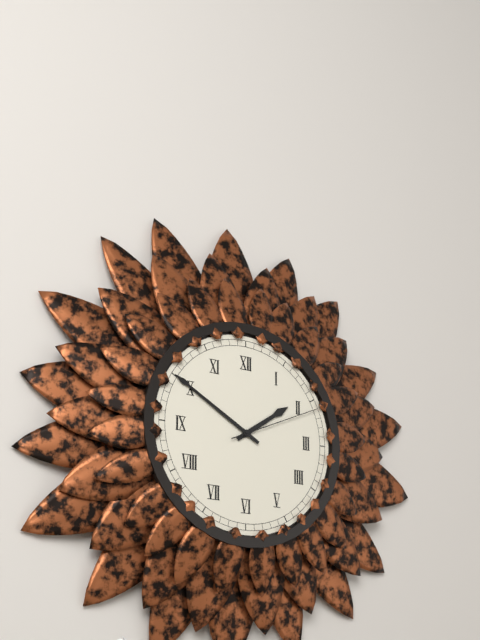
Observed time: 1:50:11
